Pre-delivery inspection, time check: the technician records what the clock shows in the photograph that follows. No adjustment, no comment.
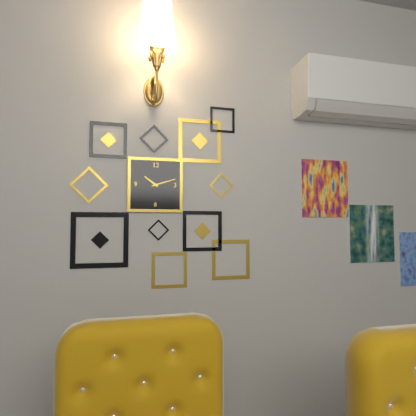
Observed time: 10:12
